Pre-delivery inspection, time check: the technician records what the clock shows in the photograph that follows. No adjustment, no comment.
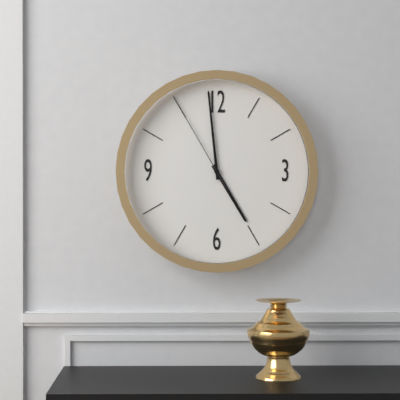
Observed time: 4:59:55
